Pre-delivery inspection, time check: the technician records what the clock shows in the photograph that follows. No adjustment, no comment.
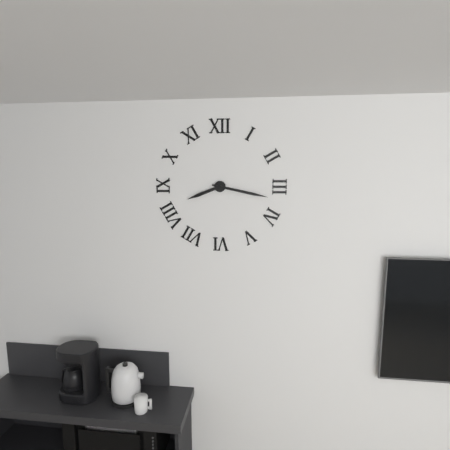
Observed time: 8:17
